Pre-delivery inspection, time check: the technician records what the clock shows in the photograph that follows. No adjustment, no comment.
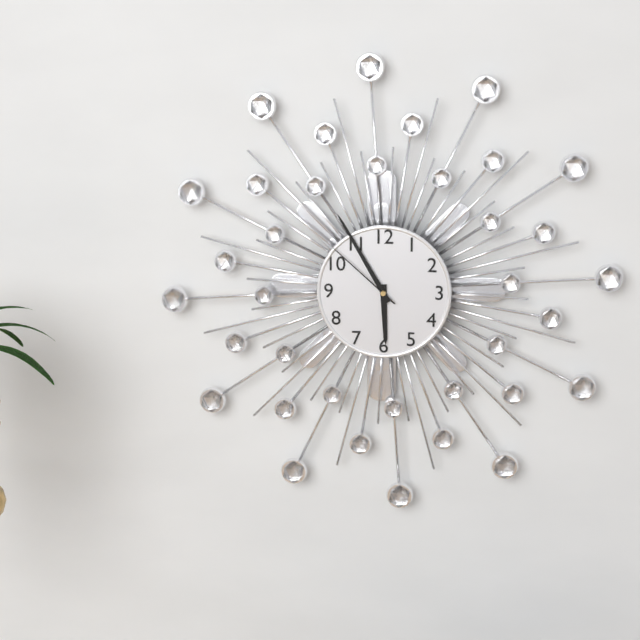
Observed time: 5:55:52
